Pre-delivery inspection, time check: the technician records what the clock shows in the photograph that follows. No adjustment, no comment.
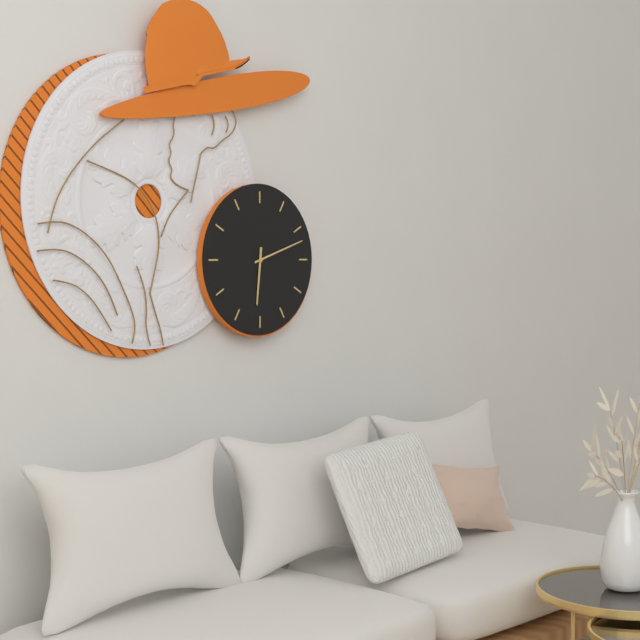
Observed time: 6:12
